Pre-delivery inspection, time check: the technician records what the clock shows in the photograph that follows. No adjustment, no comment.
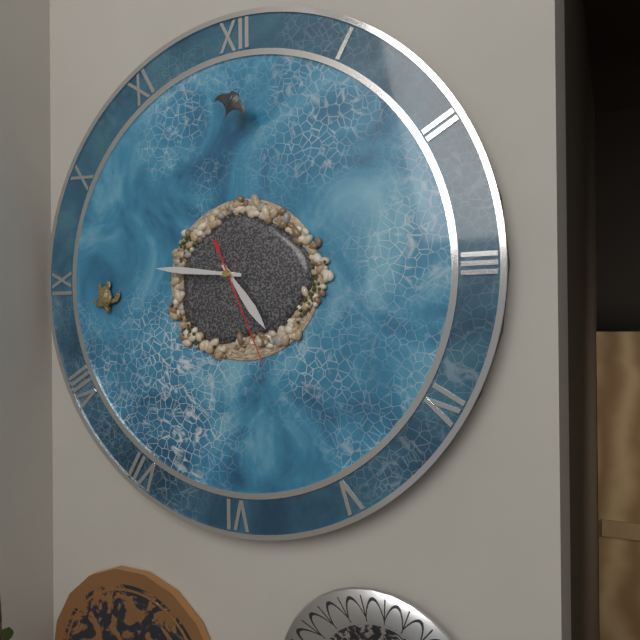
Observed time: 4:46:26
